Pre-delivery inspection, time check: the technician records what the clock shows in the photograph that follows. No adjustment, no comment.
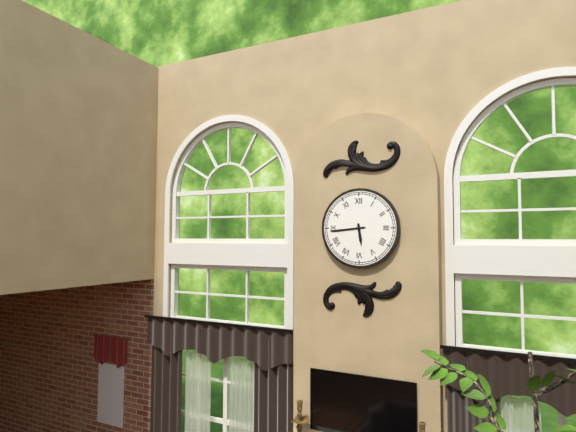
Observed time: 5:44
